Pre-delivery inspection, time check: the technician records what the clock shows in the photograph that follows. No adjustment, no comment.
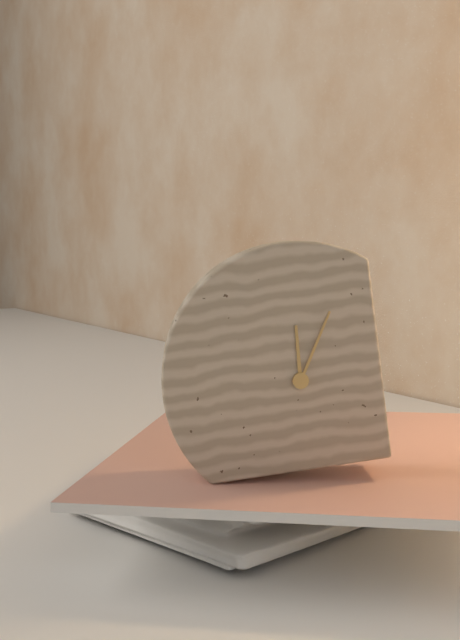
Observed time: 12:05
